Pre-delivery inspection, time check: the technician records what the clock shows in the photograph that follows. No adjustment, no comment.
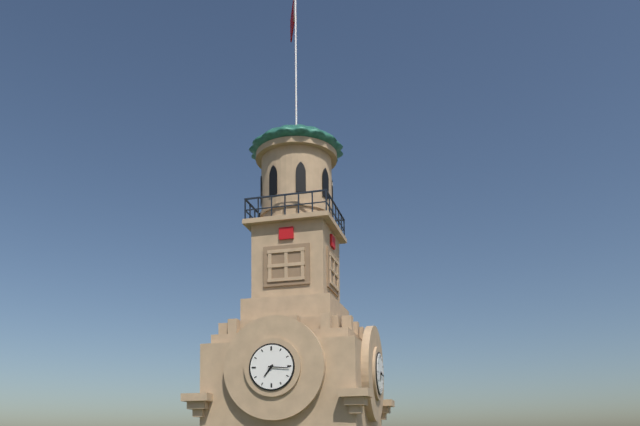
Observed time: 7:16
